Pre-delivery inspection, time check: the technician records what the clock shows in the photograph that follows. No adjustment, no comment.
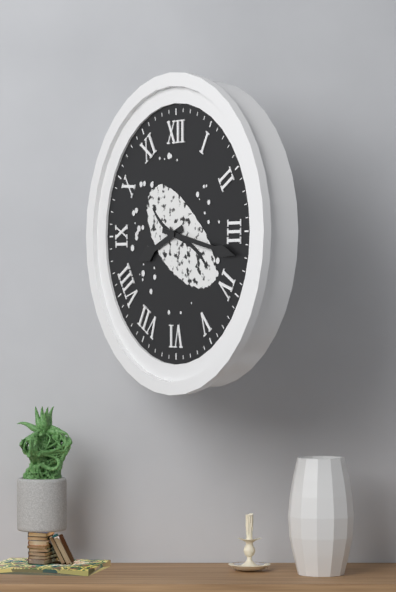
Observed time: 8:17
